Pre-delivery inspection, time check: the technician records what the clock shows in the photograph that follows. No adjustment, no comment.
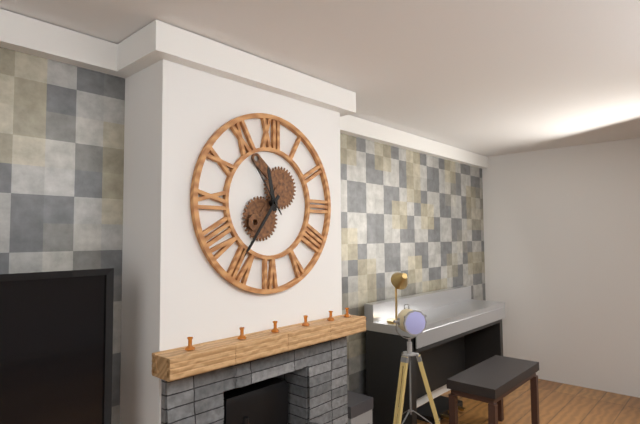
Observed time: 11:36:54
